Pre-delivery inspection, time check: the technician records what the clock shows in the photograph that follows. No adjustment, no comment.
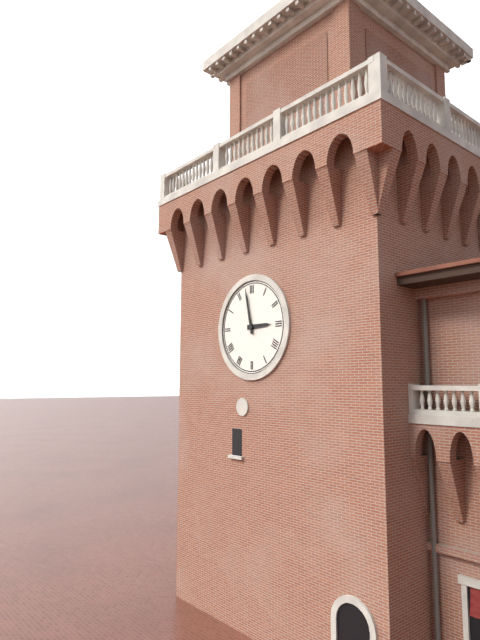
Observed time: 2:58
